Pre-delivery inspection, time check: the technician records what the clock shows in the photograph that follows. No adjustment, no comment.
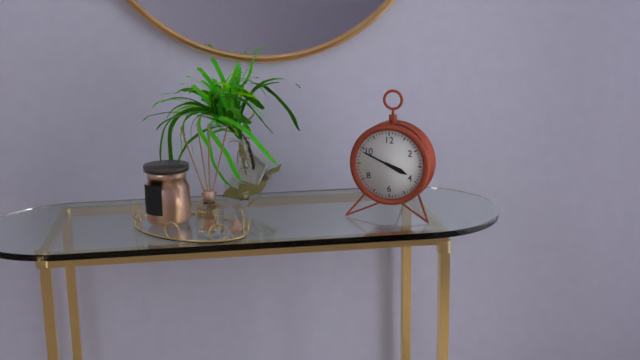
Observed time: 3:49
